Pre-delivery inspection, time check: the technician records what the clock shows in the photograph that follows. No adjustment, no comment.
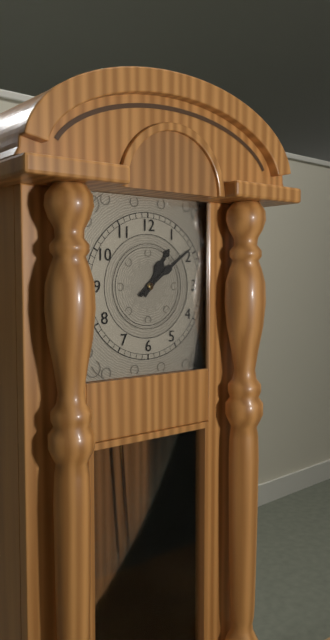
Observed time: 1:09
